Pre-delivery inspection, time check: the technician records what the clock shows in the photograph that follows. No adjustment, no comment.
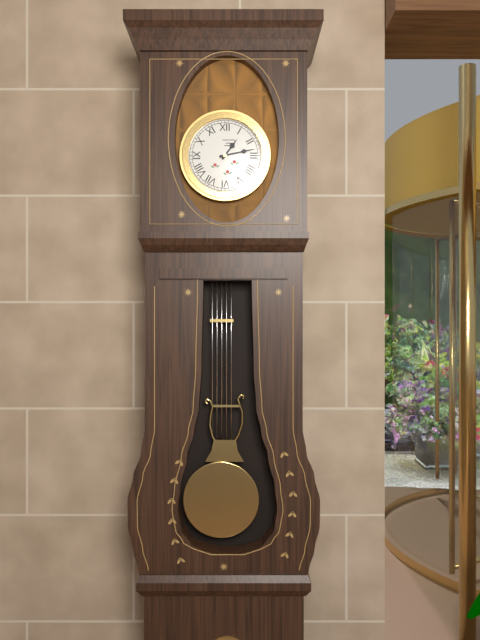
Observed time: 1:13
